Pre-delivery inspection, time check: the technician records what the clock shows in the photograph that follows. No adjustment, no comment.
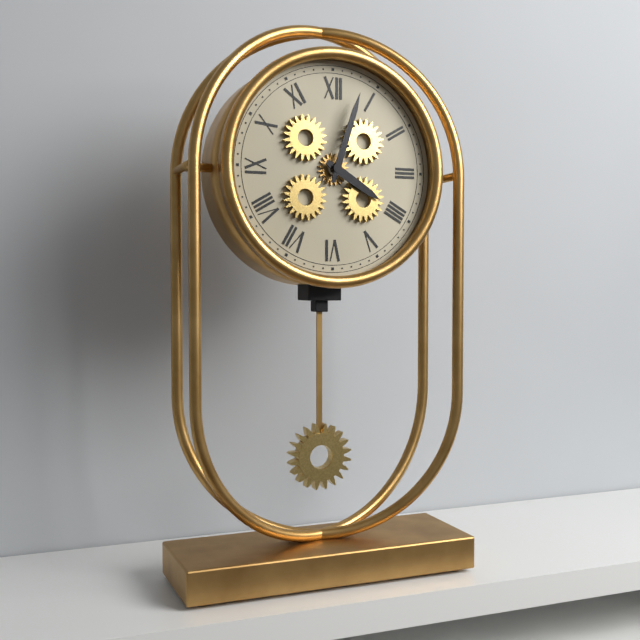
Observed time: 4:03
